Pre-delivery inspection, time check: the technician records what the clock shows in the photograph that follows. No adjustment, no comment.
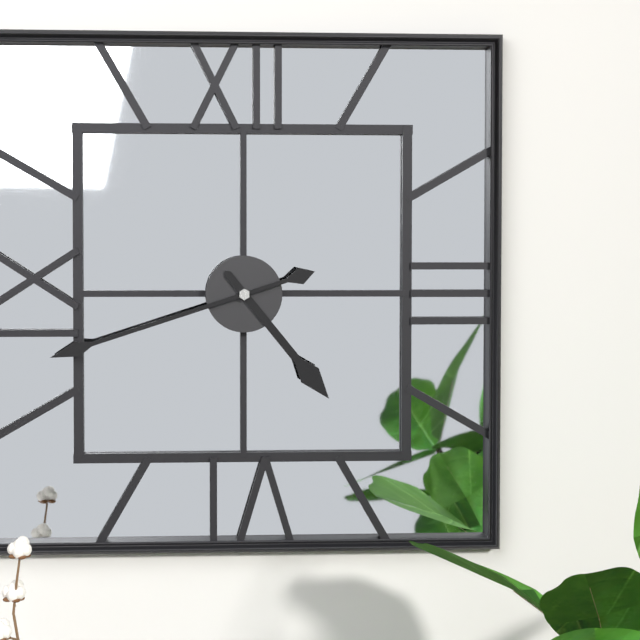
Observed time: 4:42
